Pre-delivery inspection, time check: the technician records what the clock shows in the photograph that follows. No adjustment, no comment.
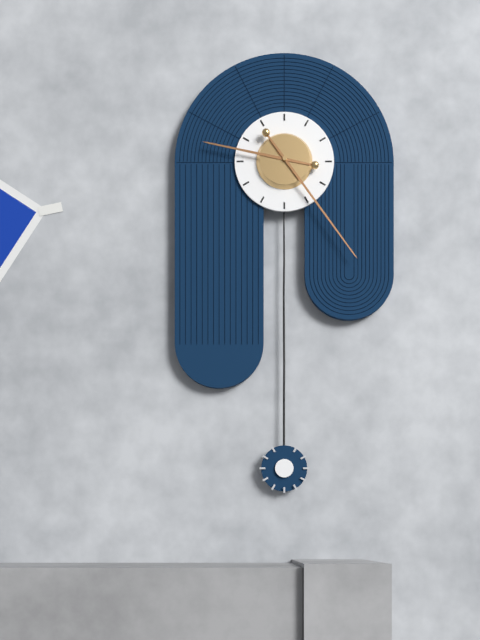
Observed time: 9:24
